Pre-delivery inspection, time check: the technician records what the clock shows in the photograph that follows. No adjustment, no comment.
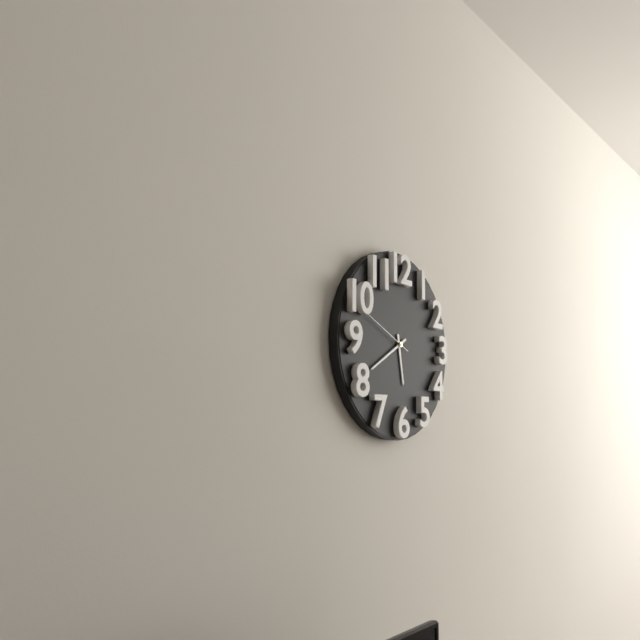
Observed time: 5:40
